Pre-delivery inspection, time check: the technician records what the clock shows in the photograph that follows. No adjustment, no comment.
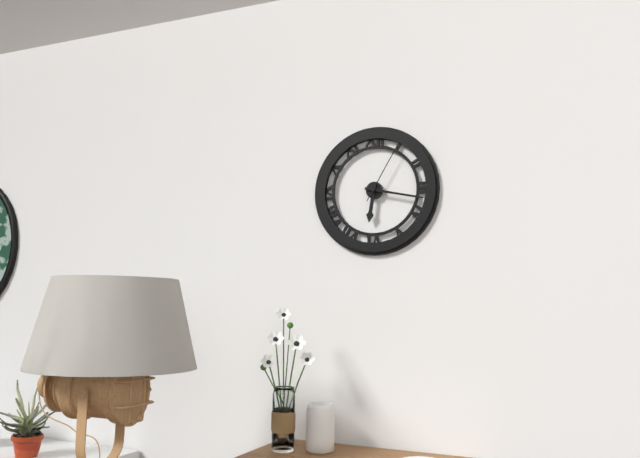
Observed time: 6:17:05
